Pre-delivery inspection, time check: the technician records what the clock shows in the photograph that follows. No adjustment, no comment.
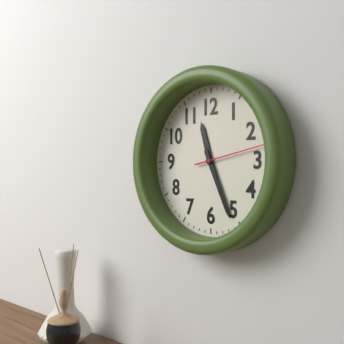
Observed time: 11:26:13
